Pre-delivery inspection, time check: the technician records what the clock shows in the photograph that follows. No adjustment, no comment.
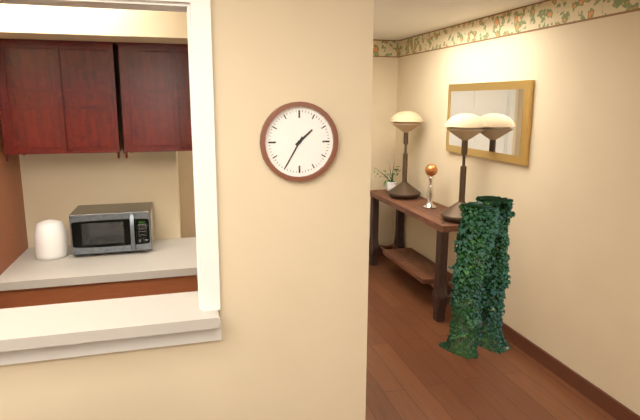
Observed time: 1:35
